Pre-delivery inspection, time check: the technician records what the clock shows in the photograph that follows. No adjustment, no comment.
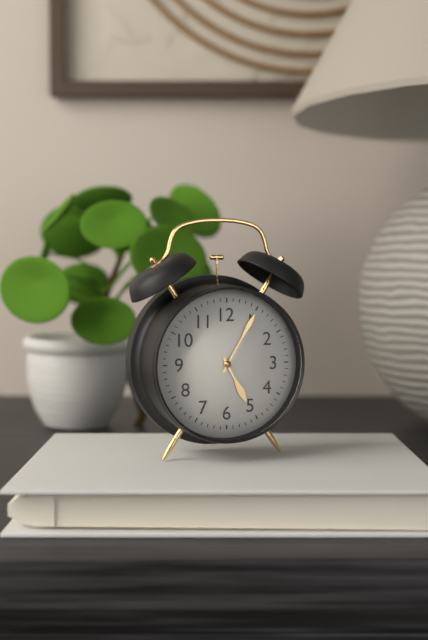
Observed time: 5:05
